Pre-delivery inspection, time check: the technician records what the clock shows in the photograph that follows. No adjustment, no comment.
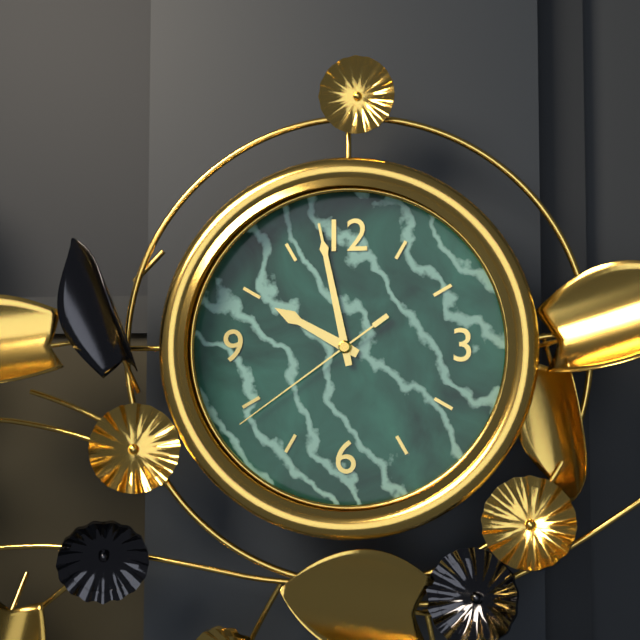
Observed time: 9:58:39
